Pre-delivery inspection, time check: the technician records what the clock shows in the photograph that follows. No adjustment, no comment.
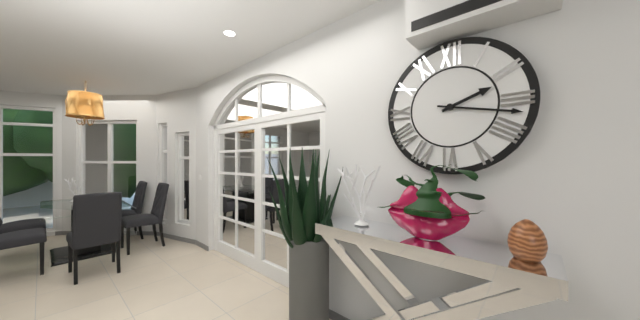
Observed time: 2:17
